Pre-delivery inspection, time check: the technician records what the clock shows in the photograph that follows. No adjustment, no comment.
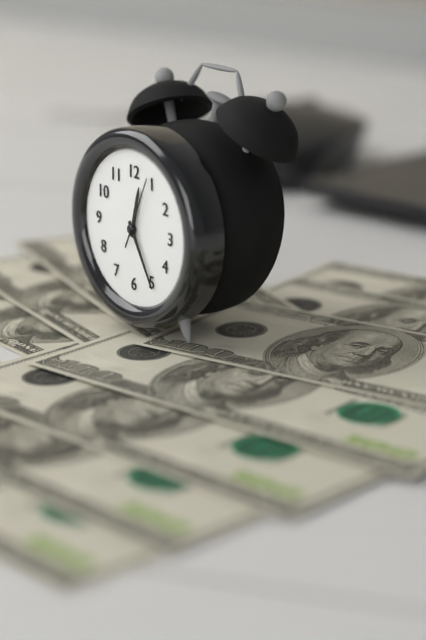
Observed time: 12:25:04
